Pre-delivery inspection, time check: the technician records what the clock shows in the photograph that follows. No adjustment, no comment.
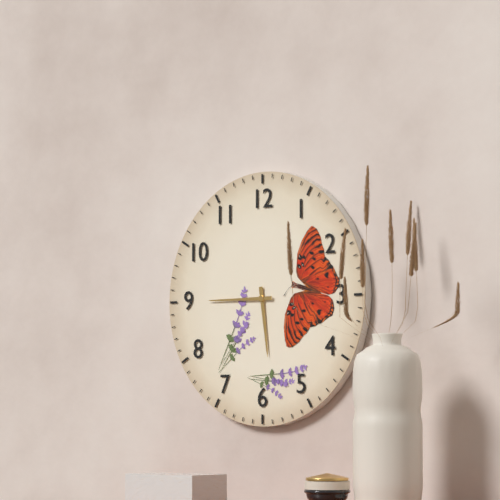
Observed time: 5:45
